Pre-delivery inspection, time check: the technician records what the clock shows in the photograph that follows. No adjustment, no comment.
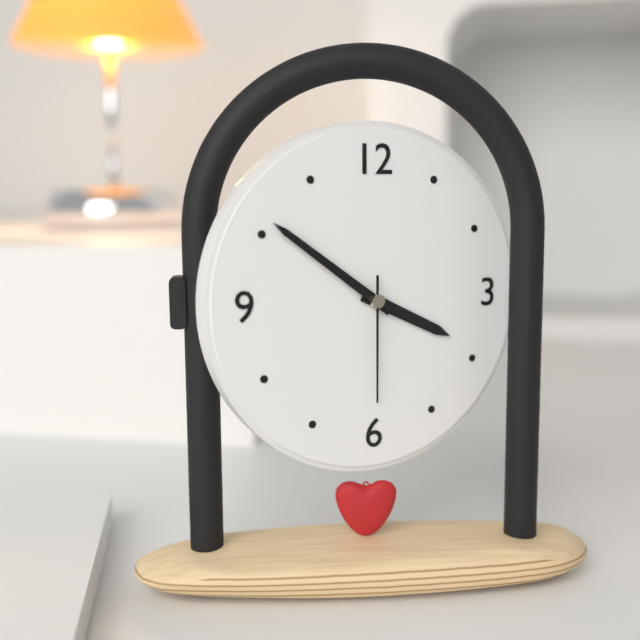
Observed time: 3:51:30
